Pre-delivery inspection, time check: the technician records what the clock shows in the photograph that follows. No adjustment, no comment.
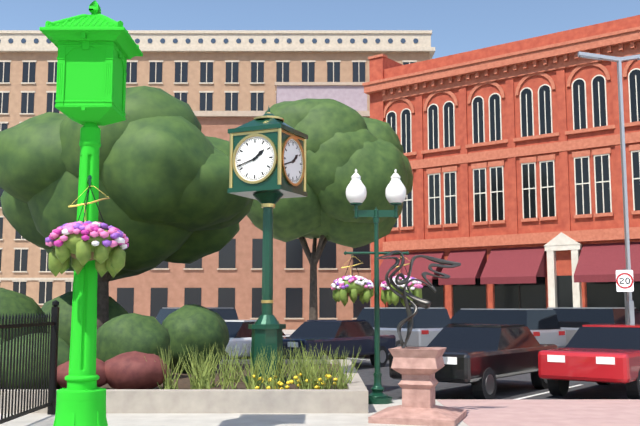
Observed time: 1:42
